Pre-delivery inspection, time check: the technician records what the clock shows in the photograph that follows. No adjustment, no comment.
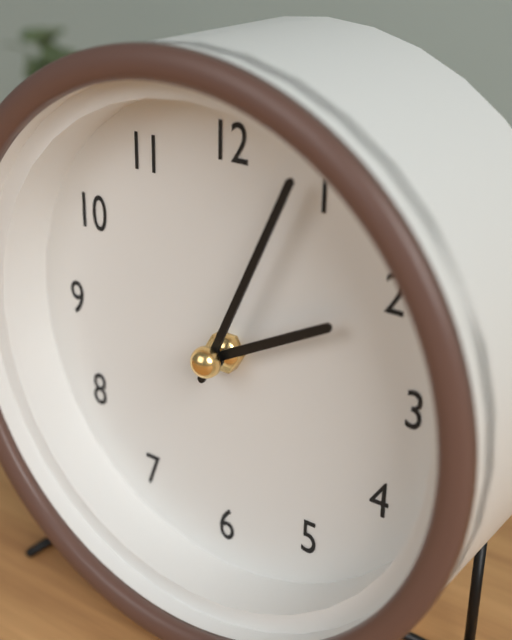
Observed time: 2:04
